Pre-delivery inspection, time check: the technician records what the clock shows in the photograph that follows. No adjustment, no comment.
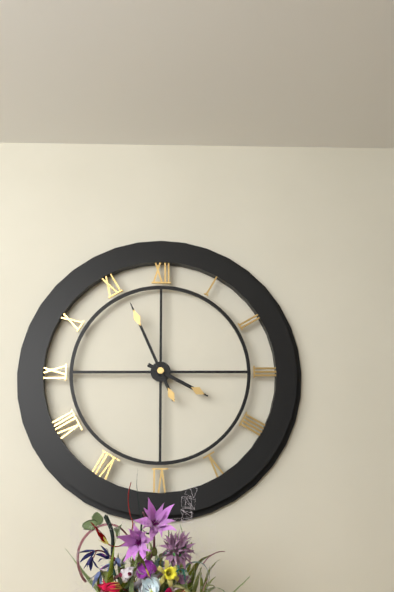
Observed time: 3:56
